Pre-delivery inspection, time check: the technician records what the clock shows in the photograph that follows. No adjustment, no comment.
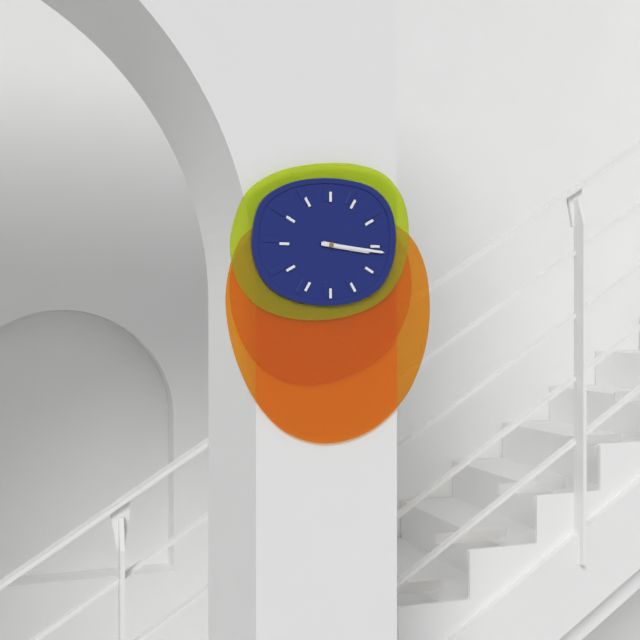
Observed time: 3:16
